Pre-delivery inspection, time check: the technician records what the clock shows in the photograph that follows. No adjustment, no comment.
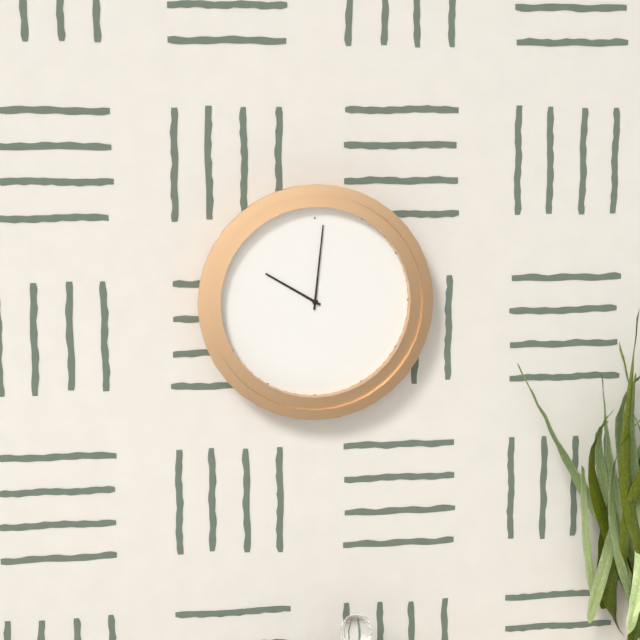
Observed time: 10:01
